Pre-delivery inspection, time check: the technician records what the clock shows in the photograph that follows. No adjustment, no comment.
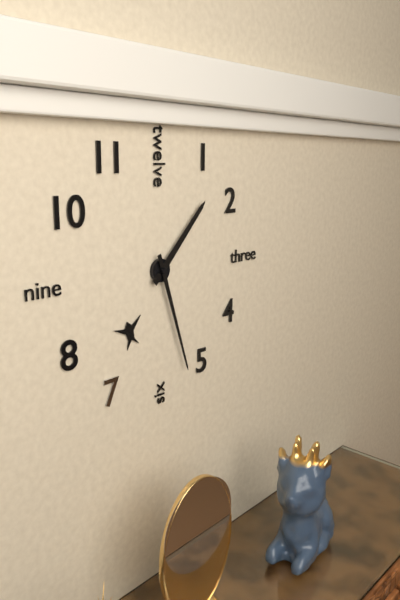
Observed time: 1:27
